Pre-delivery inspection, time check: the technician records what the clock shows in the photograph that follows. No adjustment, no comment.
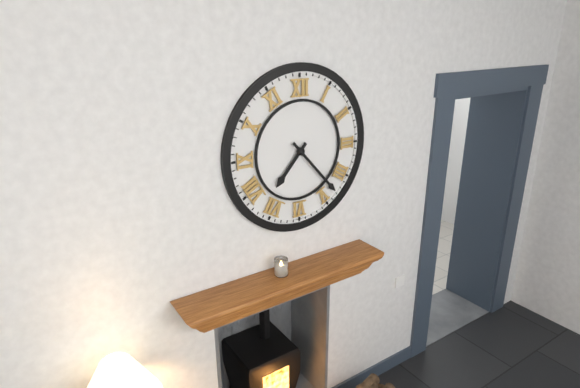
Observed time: 7:23
